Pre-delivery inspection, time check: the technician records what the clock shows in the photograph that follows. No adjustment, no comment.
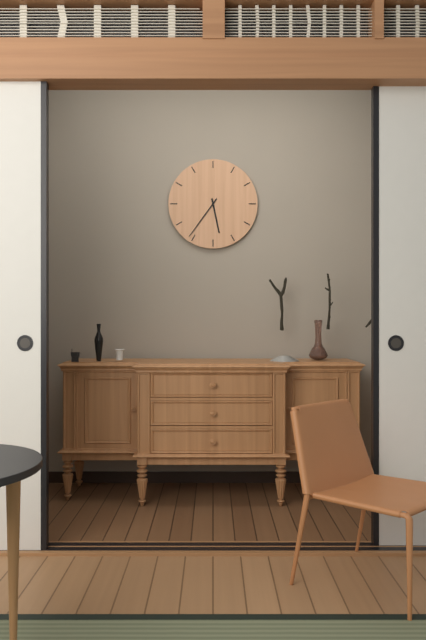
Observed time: 5:36
